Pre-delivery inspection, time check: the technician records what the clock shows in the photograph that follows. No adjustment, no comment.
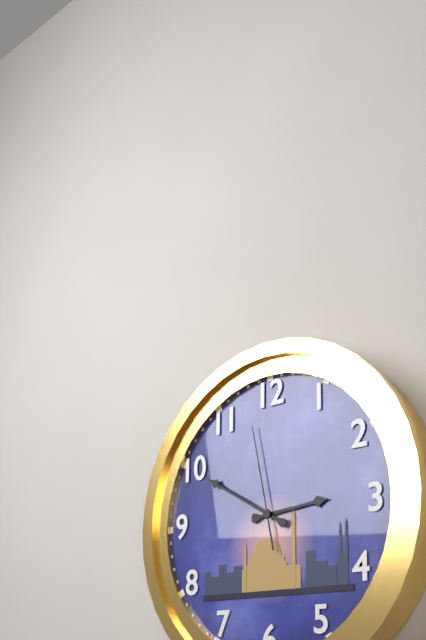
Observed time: 2:50:58
